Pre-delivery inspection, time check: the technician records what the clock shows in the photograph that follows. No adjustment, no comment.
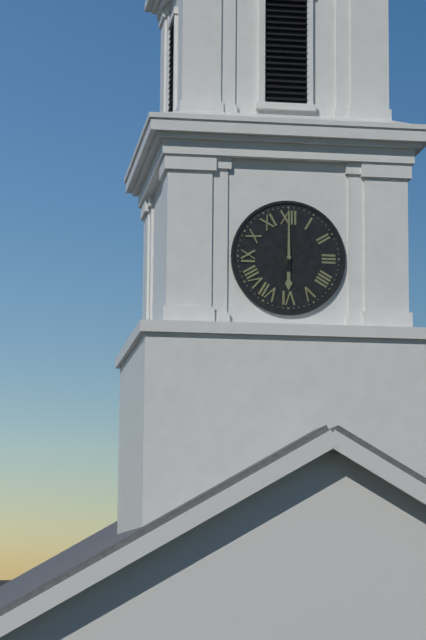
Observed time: 6:00
